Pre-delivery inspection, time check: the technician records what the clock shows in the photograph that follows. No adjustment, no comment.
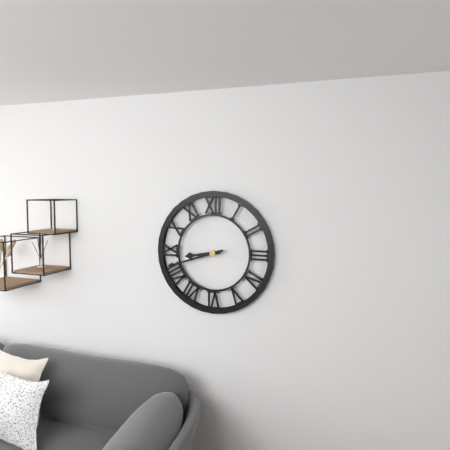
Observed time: 8:42
